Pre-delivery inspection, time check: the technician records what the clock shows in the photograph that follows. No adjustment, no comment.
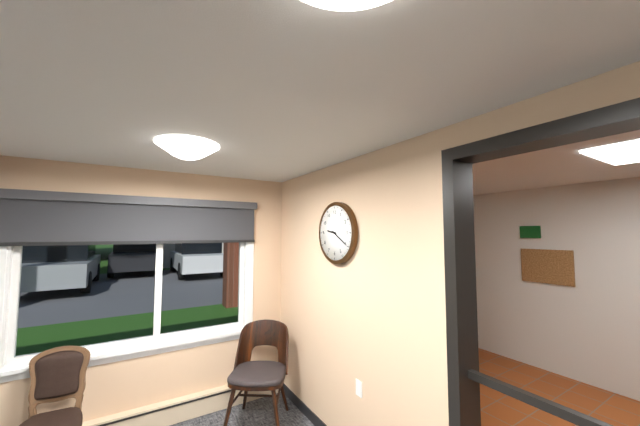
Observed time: 9:20
